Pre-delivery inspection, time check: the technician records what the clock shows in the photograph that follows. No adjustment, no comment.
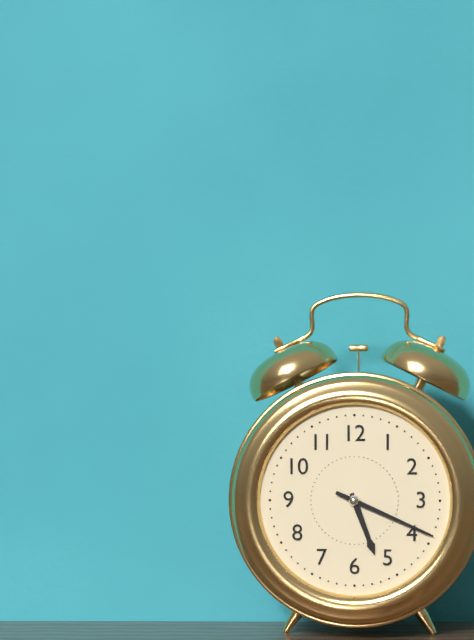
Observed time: 5:19
